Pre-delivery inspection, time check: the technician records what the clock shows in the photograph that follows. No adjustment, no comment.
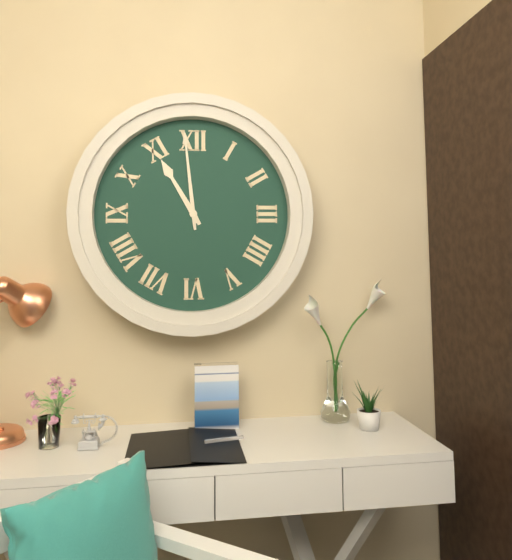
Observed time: 10:59
